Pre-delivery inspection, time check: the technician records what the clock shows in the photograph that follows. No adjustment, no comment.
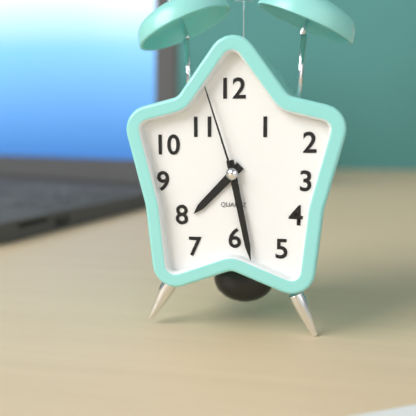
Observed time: 7:28:57
